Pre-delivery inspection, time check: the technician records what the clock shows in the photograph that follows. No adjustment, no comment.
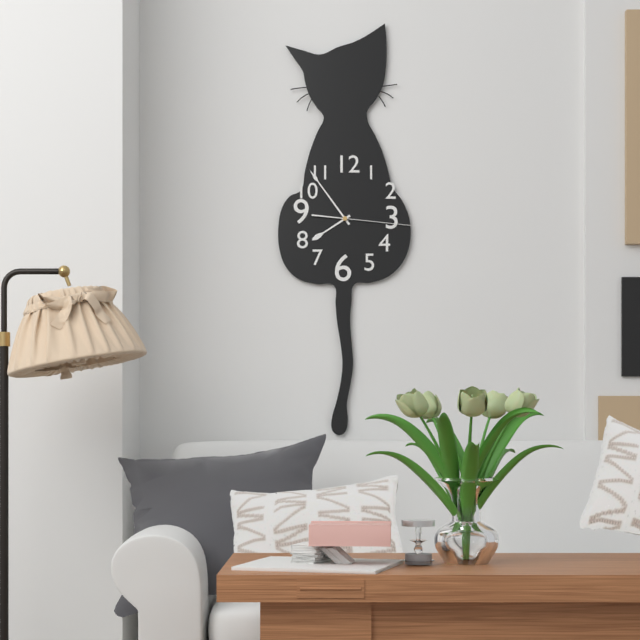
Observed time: 7:54:16
